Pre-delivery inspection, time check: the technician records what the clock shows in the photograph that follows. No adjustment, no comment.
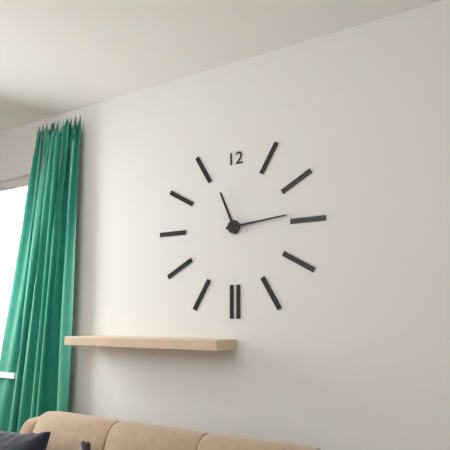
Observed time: 11:14
